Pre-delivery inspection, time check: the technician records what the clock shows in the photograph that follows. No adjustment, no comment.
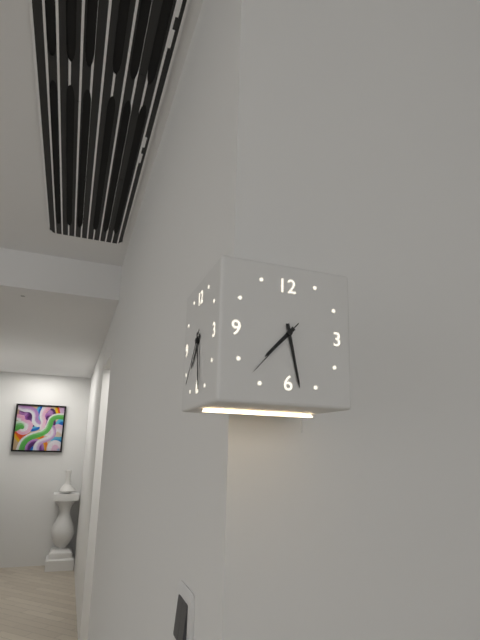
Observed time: 7:28:37
